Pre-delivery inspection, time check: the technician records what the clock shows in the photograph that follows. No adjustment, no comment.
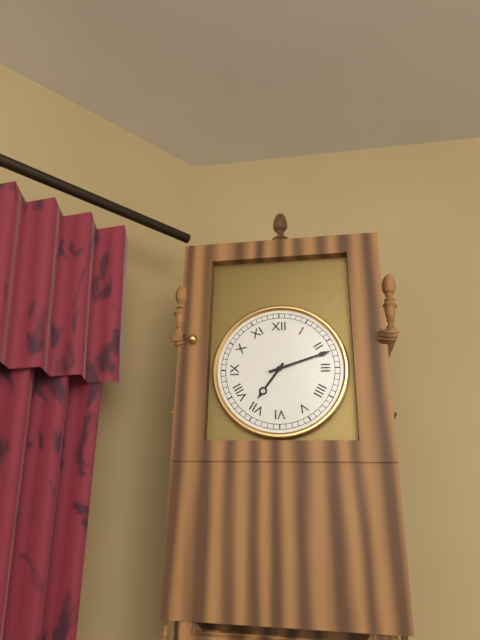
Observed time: 7:12
